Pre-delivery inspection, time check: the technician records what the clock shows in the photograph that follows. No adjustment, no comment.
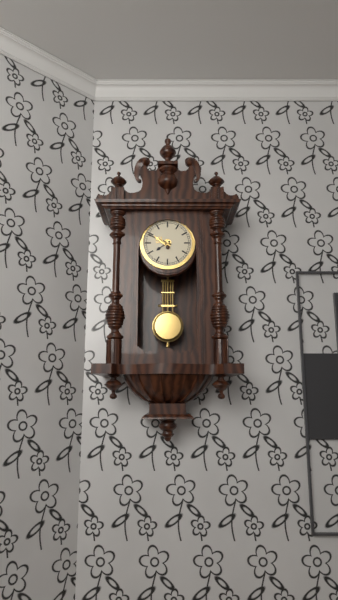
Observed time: 7:49
